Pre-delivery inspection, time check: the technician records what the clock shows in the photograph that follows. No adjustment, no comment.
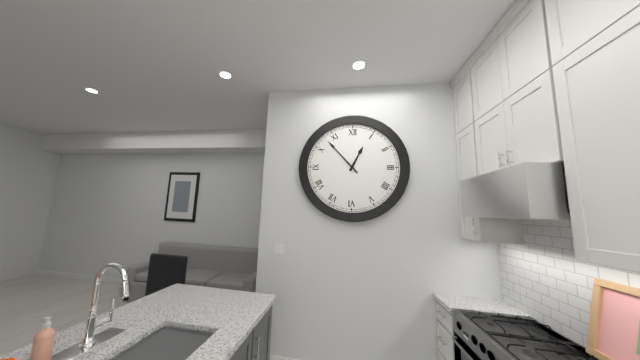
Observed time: 12:53
